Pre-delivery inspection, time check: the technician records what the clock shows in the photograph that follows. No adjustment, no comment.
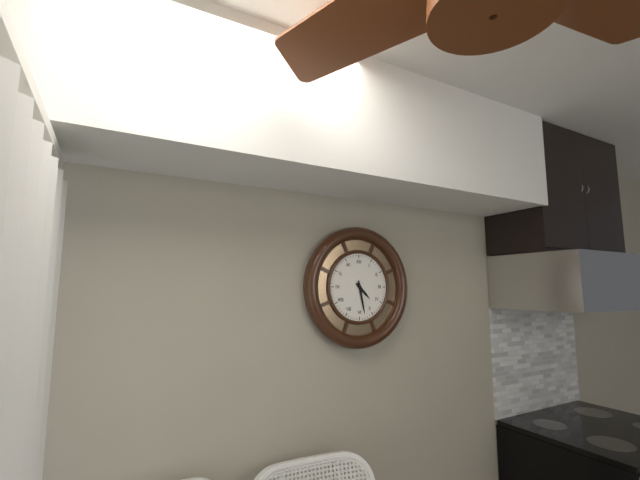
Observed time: 4:28
